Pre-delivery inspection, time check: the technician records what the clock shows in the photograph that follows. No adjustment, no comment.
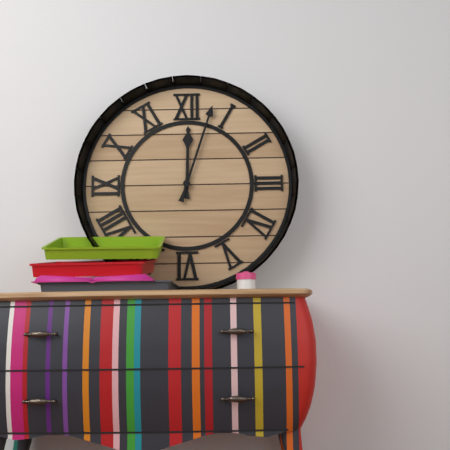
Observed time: 12:03
